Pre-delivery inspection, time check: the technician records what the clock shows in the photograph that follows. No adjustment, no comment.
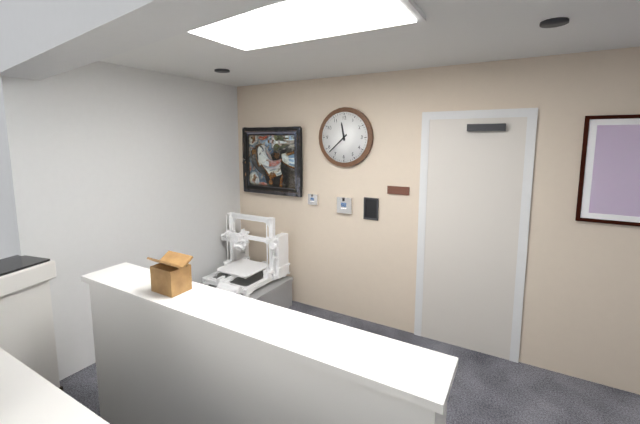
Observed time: 11:38
